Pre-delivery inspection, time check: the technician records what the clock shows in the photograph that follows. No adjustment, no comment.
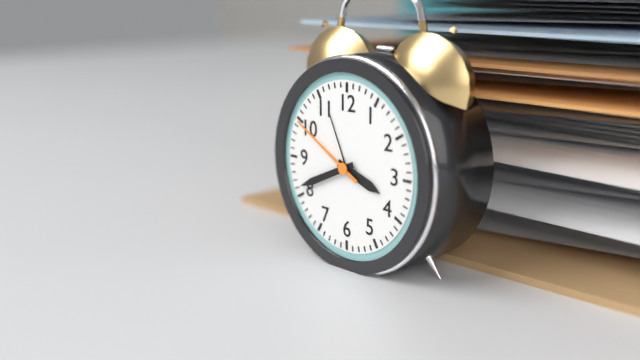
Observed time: 3:41:50
